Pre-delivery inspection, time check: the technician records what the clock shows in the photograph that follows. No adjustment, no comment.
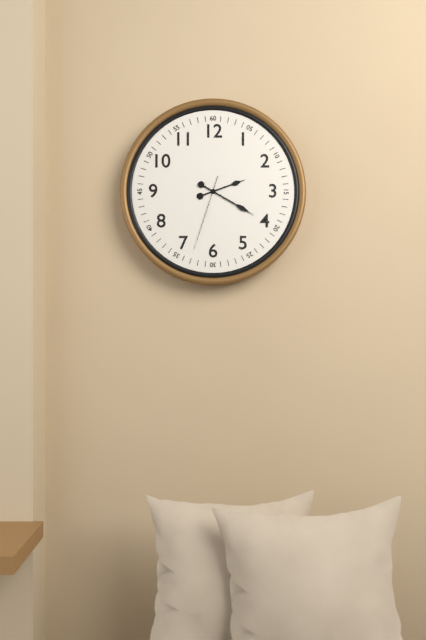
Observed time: 2:20:33
